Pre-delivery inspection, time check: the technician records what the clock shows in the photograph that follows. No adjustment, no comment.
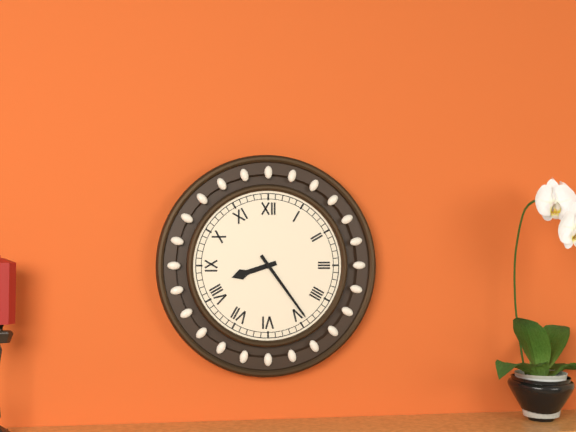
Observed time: 8:24
